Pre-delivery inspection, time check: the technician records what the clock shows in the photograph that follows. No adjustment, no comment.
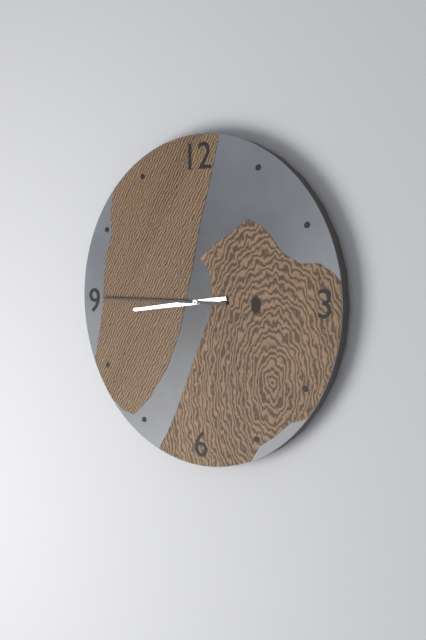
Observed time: 8:45
